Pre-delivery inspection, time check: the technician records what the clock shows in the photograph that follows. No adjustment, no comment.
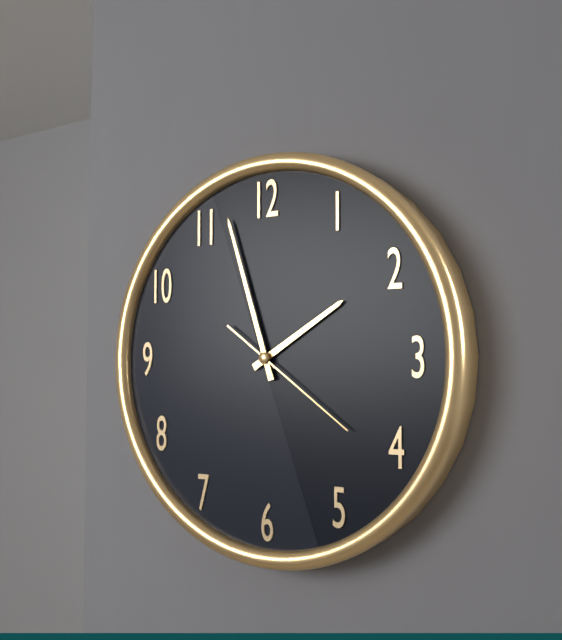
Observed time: 1:57:21
